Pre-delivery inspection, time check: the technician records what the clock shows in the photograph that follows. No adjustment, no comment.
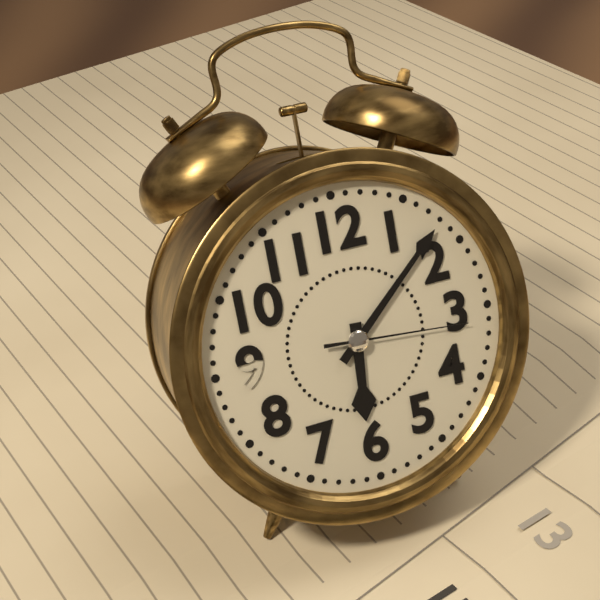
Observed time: 6:08:16
